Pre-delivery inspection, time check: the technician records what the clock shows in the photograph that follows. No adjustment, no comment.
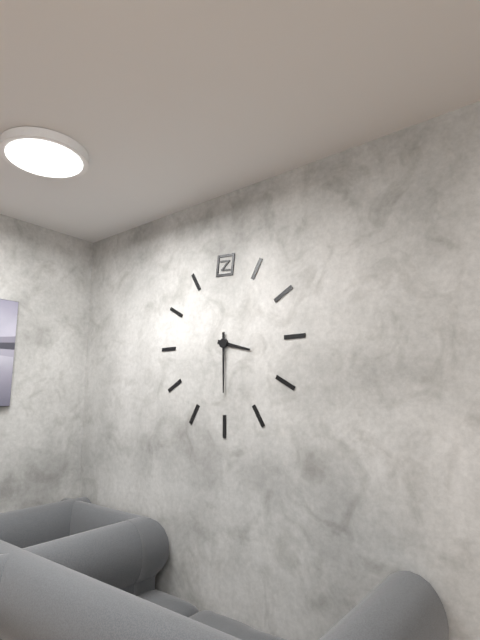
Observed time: 3:30
